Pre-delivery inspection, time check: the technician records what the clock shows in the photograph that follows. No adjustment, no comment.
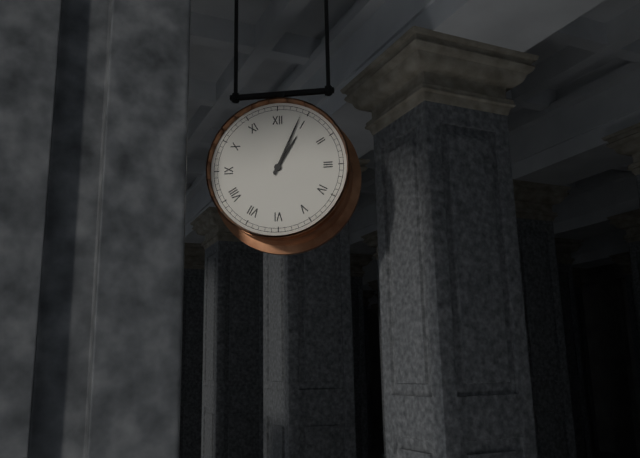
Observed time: 1:04
